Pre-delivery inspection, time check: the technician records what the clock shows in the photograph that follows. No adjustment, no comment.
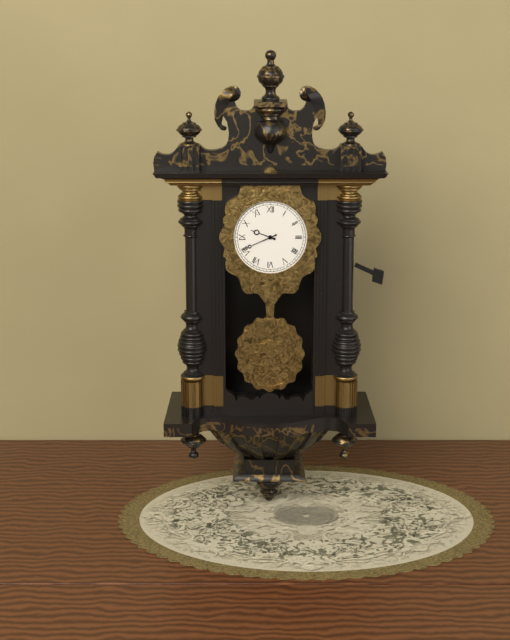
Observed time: 9:41
